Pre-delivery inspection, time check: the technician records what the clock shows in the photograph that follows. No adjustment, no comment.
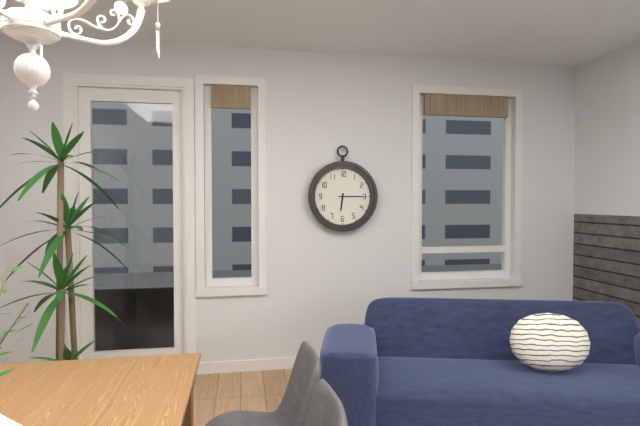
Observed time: 6:15
